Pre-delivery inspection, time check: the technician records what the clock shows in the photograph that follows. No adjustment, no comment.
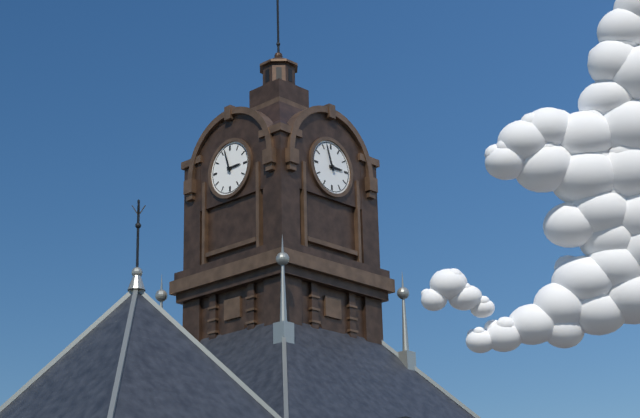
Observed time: 2:57
